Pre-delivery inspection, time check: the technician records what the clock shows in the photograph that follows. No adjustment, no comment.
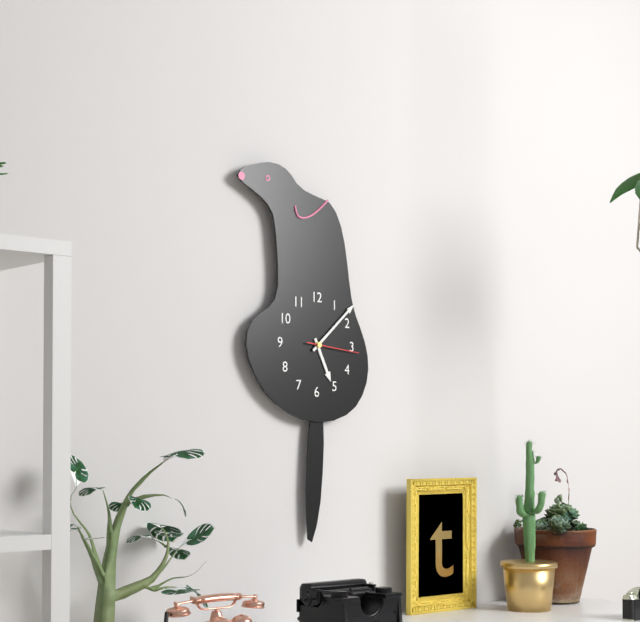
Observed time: 5:08:16
